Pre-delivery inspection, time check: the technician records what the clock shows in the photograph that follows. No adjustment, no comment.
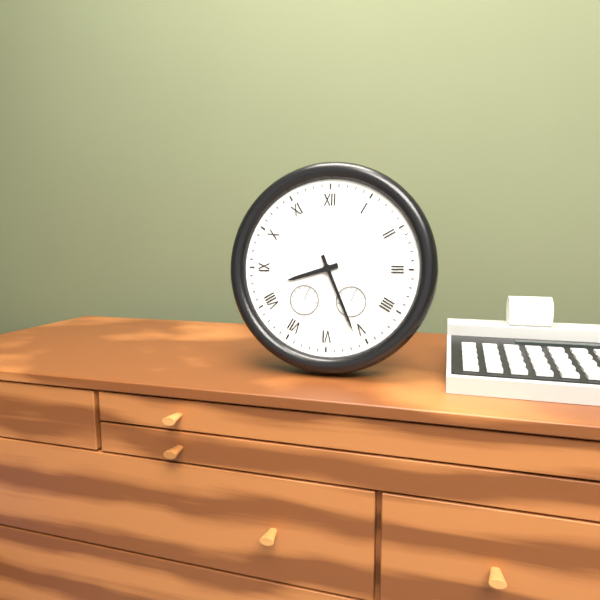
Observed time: 8:26
